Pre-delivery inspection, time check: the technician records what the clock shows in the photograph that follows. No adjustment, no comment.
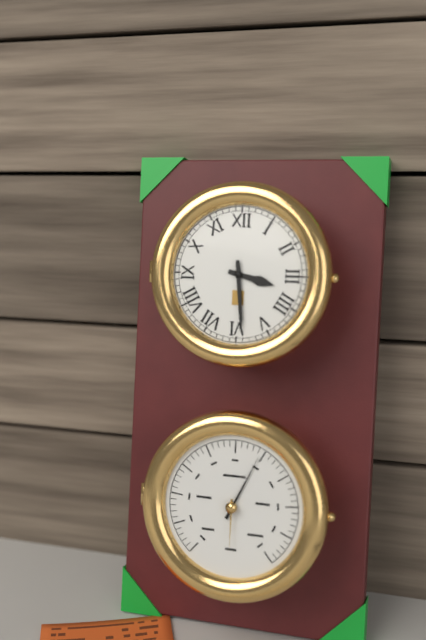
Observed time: 3:29
